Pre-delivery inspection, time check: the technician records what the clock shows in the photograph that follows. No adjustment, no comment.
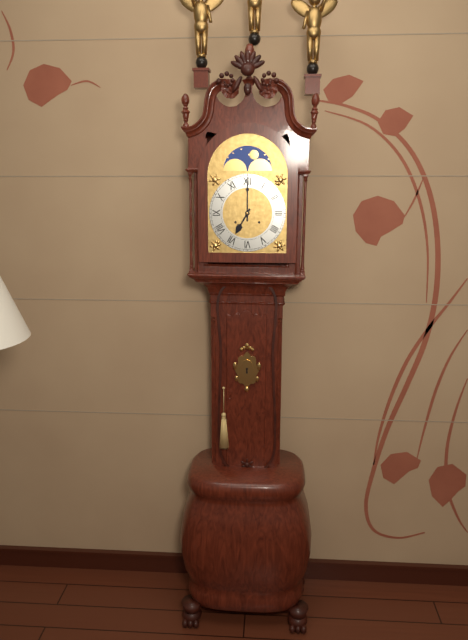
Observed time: 7:00
